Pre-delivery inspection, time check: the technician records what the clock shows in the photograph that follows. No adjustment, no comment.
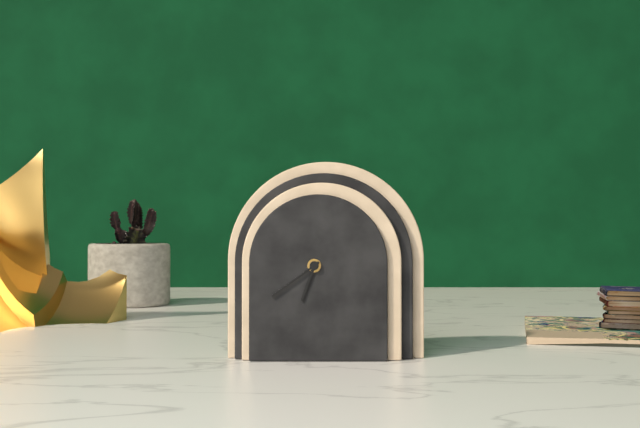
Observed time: 6:39
